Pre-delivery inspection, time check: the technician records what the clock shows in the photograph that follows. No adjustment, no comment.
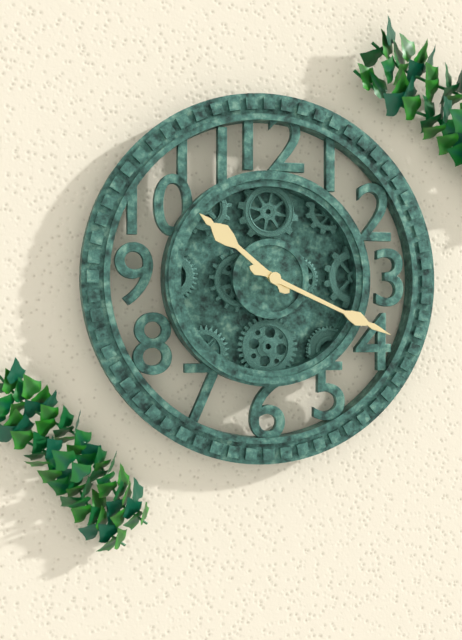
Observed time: 10:19
